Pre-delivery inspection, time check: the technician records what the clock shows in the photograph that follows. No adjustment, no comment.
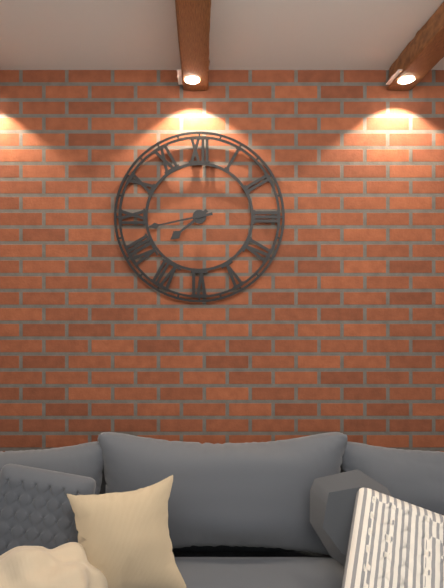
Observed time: 7:43
